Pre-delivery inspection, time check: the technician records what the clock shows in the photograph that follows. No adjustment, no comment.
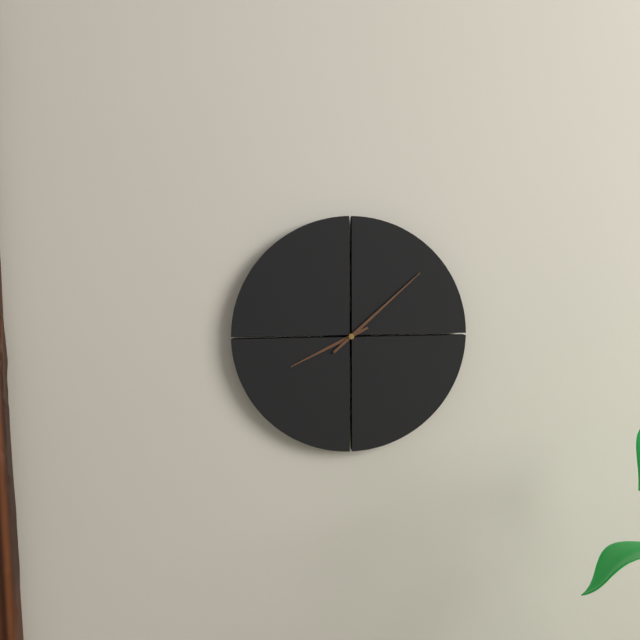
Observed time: 8:08
